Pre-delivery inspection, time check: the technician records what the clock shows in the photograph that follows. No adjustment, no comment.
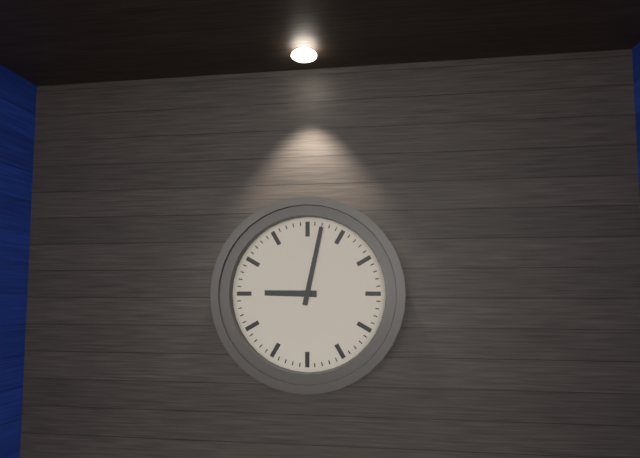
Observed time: 9:02
